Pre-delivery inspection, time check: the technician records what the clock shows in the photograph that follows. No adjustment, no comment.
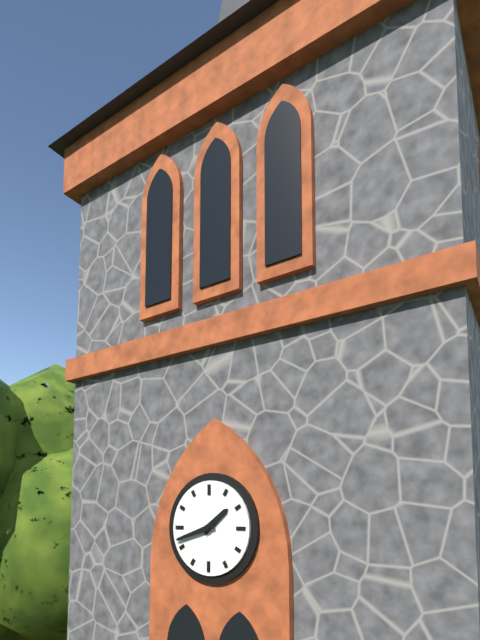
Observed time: 1:42
